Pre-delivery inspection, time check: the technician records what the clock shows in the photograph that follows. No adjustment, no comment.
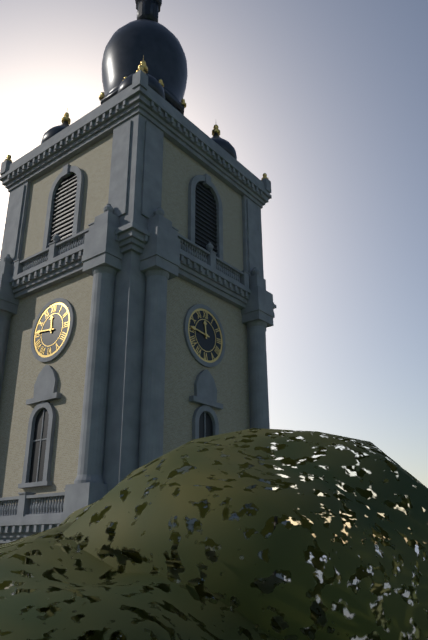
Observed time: 11:46
